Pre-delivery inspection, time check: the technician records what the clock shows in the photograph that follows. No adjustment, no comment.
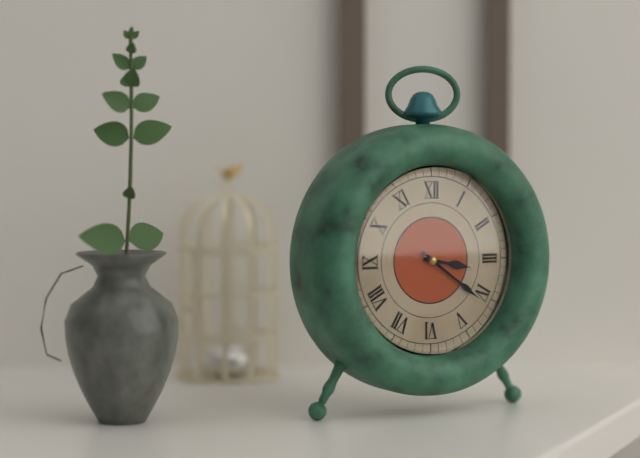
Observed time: 3:21
